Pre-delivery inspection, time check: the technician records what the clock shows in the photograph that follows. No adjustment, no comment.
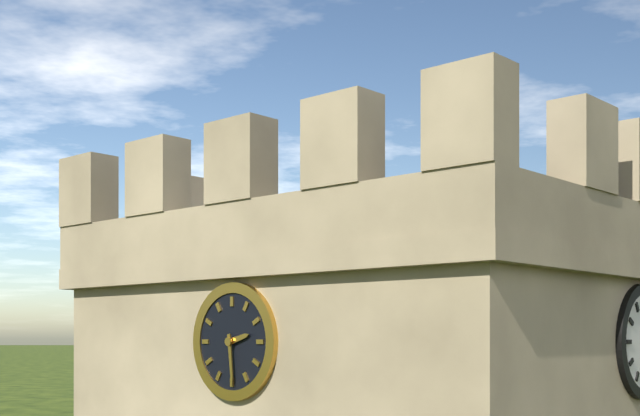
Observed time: 2:29
